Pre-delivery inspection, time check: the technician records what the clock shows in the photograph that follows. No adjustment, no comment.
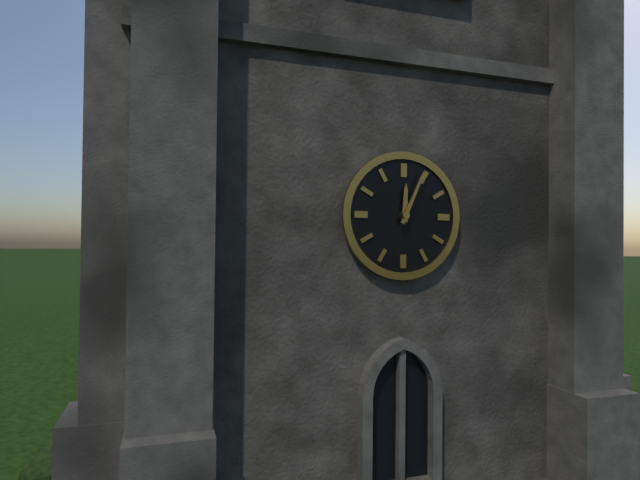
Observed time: 12:04
